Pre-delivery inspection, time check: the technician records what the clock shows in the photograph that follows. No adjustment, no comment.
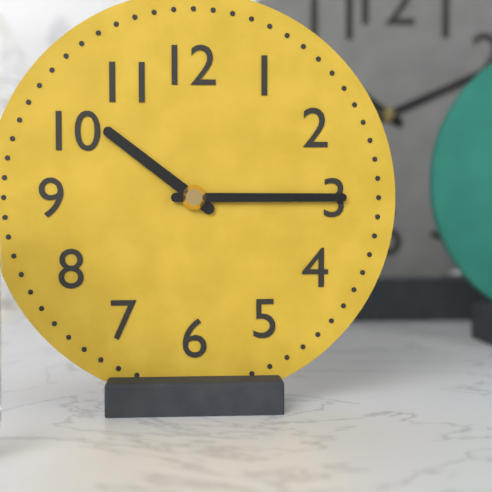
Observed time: 10:15
